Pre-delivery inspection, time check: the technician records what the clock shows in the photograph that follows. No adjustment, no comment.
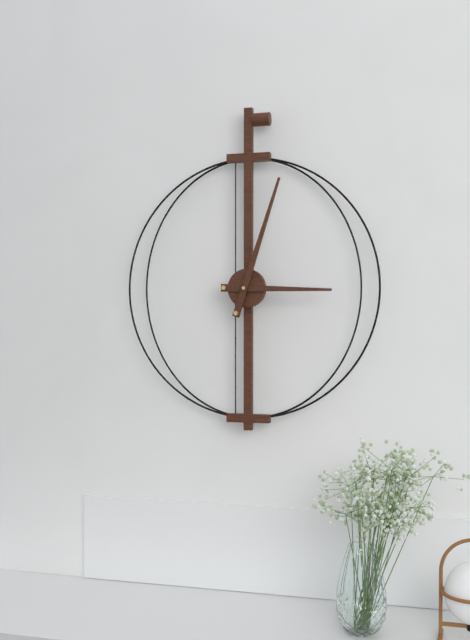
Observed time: 3:03
